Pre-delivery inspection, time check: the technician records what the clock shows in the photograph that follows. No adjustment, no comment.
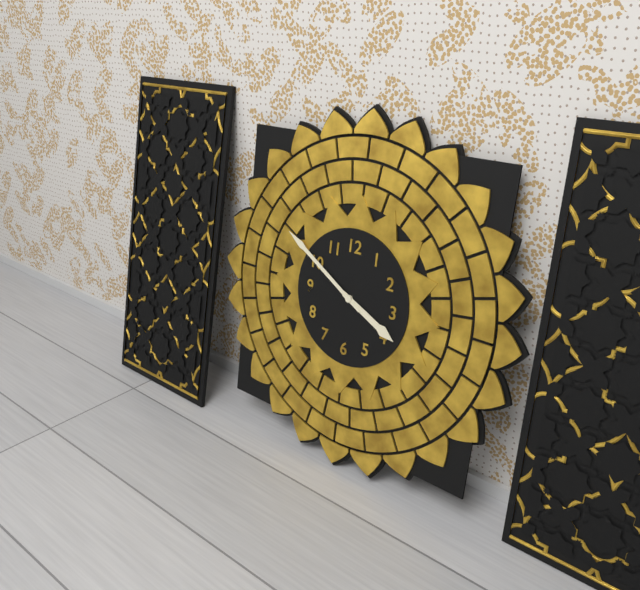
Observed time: 3:50
